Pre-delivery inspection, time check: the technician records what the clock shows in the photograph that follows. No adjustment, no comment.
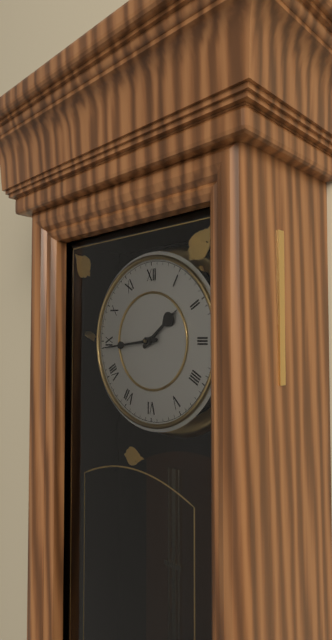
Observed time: 1:44
